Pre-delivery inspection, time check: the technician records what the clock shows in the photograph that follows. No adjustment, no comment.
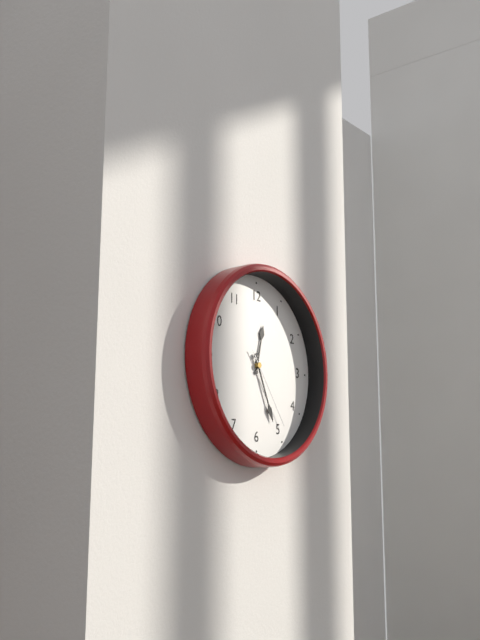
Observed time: 12:26:24
